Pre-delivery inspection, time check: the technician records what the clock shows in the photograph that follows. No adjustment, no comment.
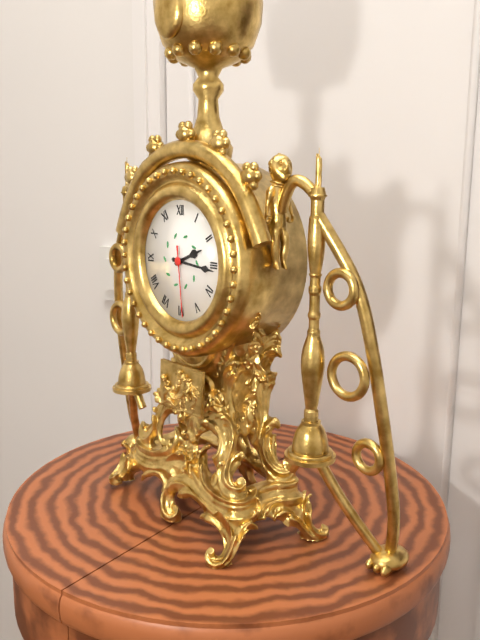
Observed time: 2:16:29
